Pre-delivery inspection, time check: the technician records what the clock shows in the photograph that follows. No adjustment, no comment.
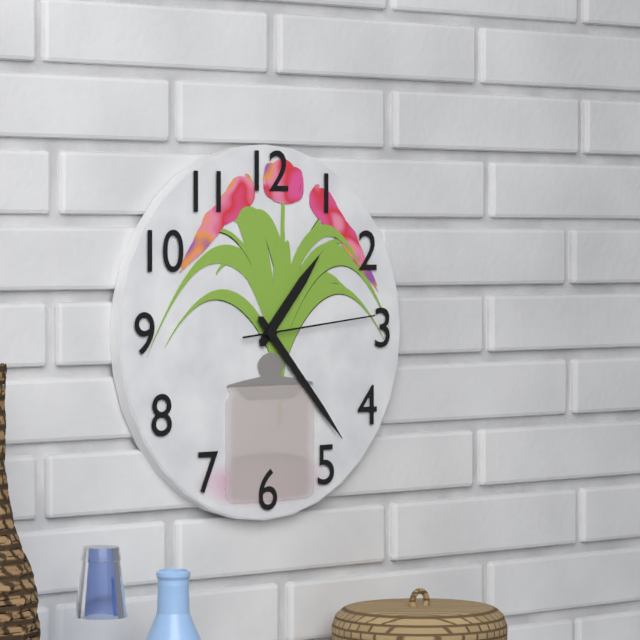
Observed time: 1:23:14
